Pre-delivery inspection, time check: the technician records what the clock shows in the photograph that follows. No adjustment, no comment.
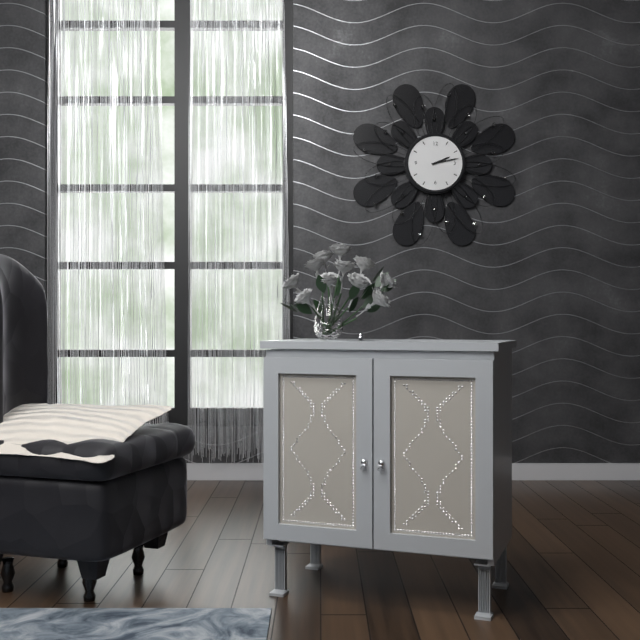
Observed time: 2:13
